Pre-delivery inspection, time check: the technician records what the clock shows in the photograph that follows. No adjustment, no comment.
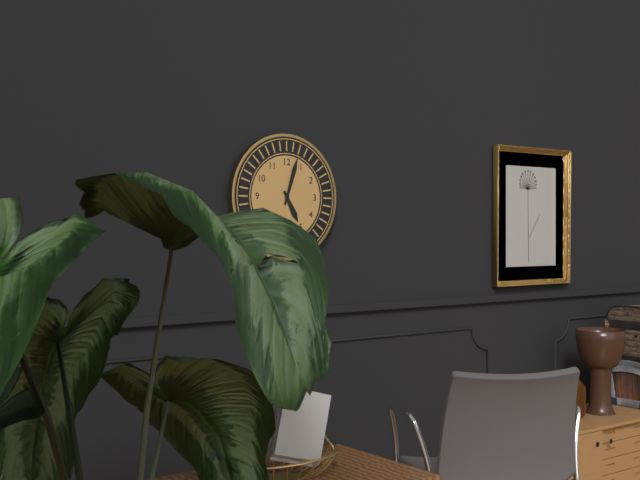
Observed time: 5:03
